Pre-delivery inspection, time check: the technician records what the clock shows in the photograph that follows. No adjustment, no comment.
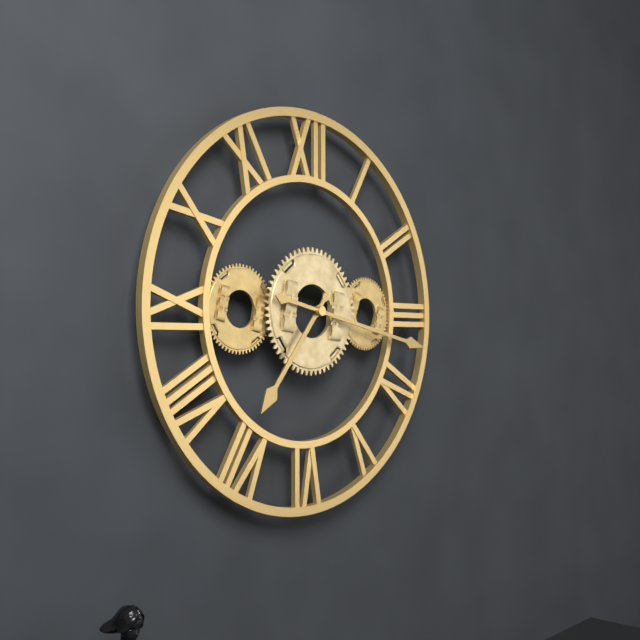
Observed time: 7:17
